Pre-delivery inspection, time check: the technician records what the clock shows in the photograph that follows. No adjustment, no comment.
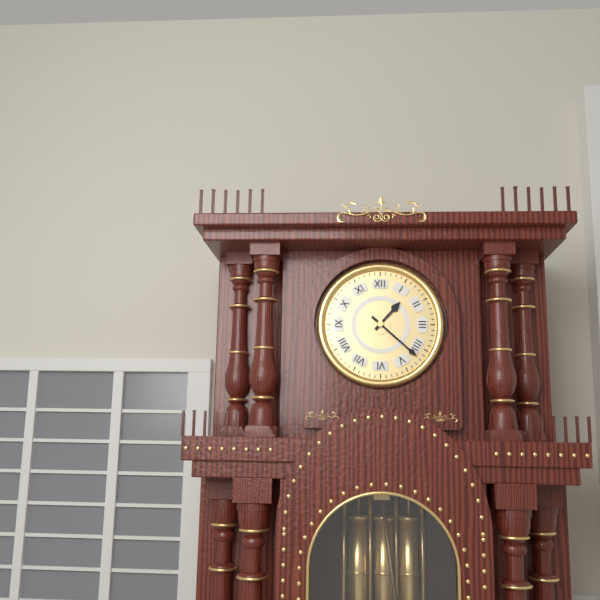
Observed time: 1:22
